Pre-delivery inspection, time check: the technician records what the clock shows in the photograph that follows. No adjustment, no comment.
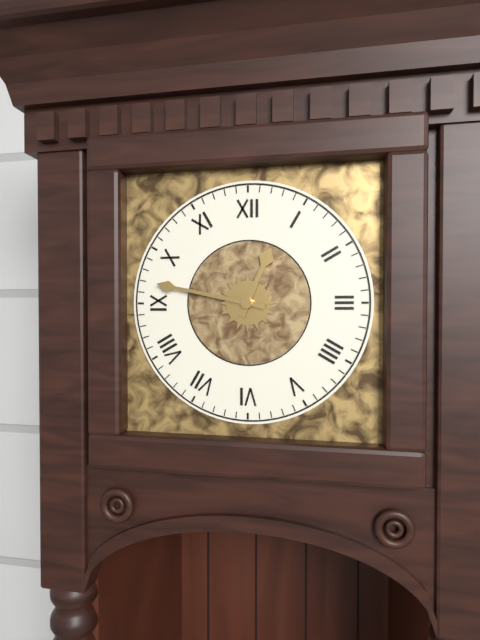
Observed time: 12:47
